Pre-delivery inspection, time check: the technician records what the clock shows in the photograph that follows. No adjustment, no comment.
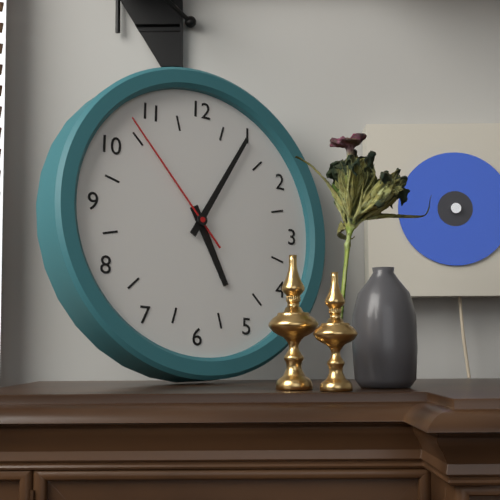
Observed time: 5:05:53
